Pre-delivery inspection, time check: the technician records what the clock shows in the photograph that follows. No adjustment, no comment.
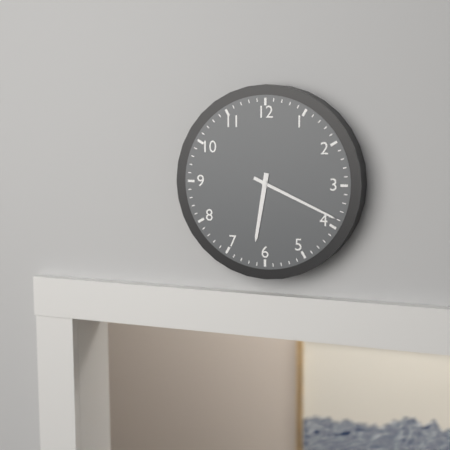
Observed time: 6:19
